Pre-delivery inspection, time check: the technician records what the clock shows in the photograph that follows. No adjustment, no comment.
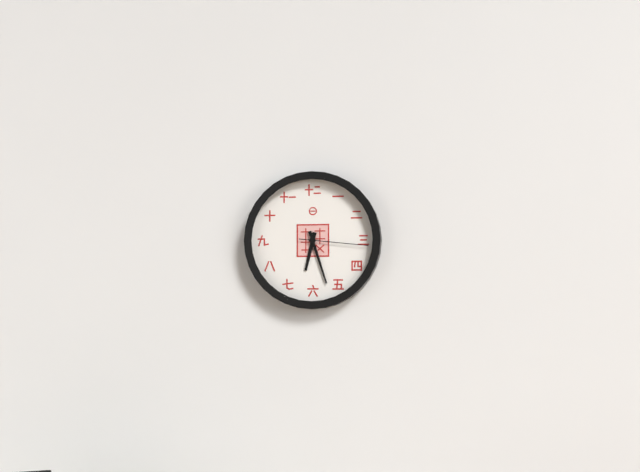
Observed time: 6:27:16
